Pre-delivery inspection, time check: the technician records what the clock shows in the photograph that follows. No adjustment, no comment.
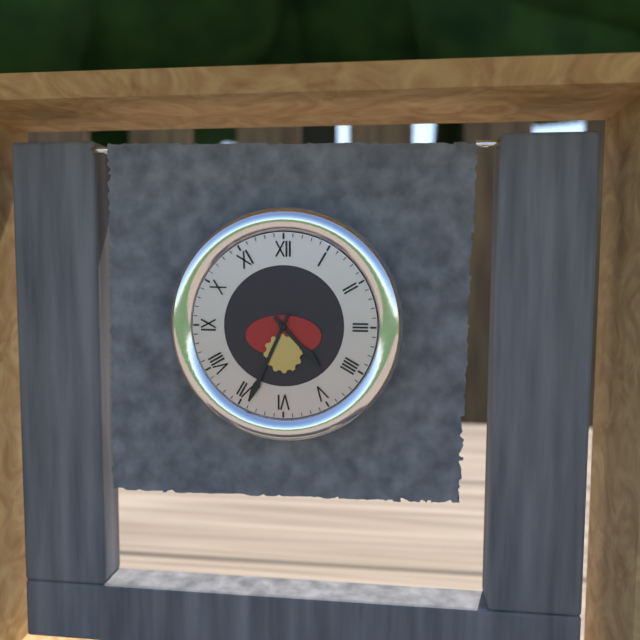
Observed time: 4:34
